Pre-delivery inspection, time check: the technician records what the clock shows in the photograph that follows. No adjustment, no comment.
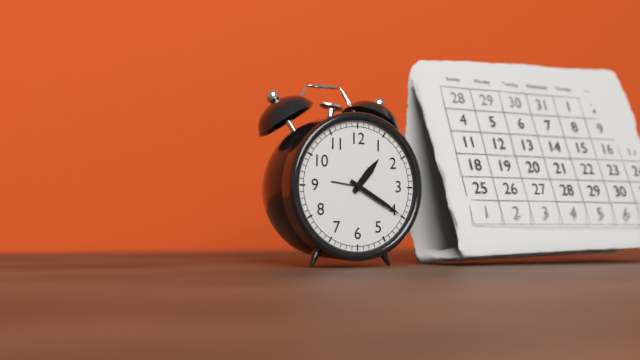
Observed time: 1:20
